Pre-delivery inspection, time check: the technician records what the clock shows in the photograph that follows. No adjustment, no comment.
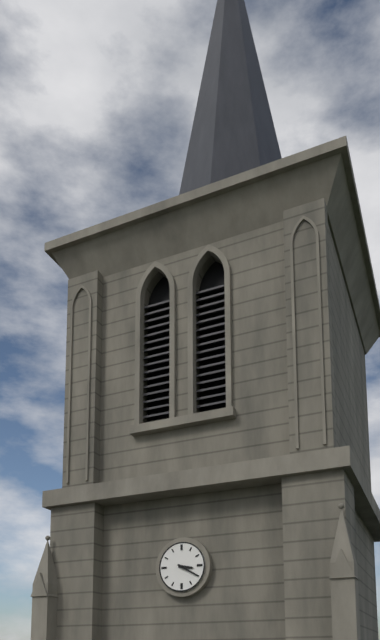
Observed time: 3:20
